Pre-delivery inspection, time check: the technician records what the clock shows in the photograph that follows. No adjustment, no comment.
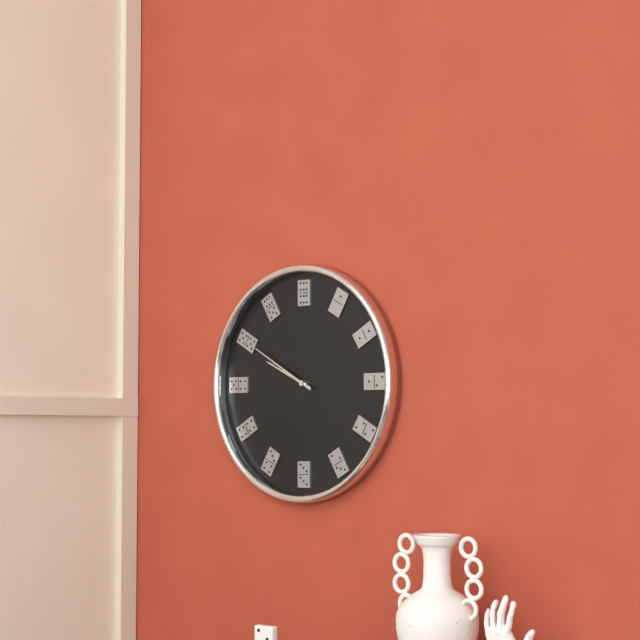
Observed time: 9:50
